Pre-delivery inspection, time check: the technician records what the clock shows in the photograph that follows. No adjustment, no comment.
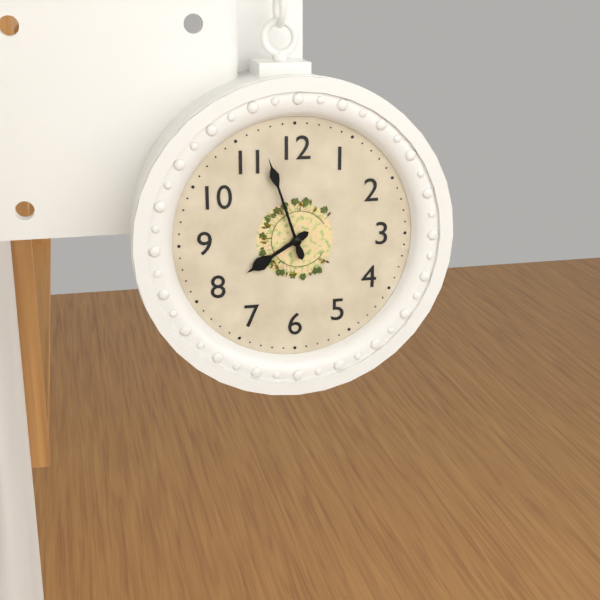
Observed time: 7:57
